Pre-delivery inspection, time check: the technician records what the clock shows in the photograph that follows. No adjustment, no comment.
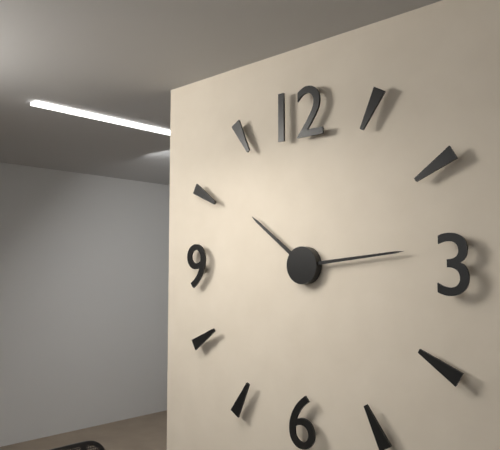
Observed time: 10:14
